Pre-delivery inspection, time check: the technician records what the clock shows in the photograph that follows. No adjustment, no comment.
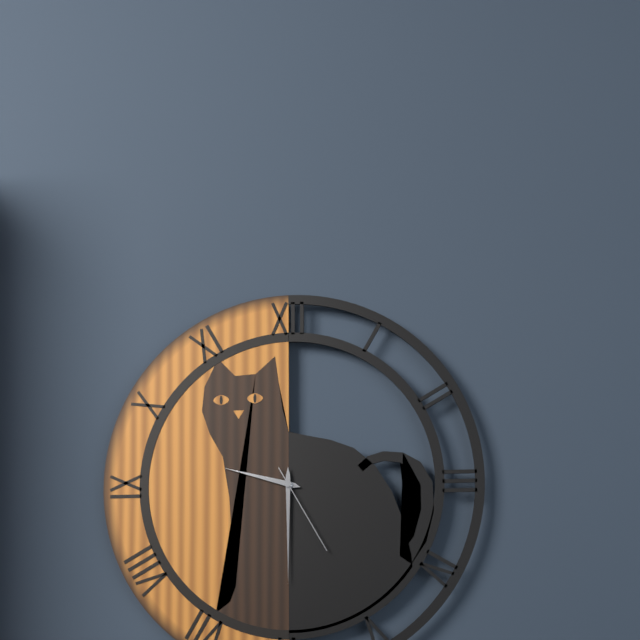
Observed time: 9:30:25
